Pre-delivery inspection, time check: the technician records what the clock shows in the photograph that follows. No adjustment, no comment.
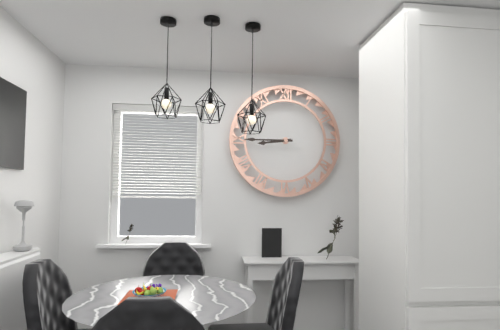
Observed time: 8:45
